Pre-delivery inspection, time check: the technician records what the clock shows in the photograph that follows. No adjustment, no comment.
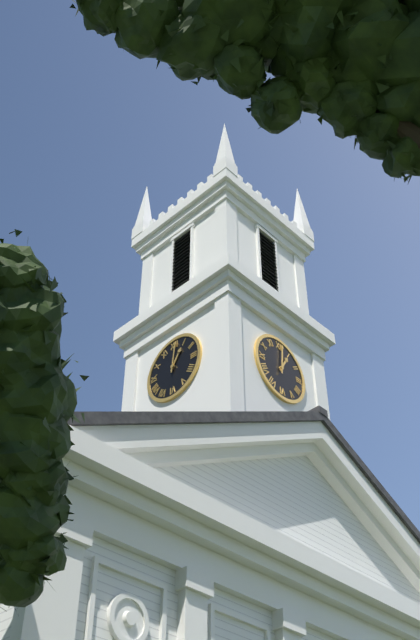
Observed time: 1:01
